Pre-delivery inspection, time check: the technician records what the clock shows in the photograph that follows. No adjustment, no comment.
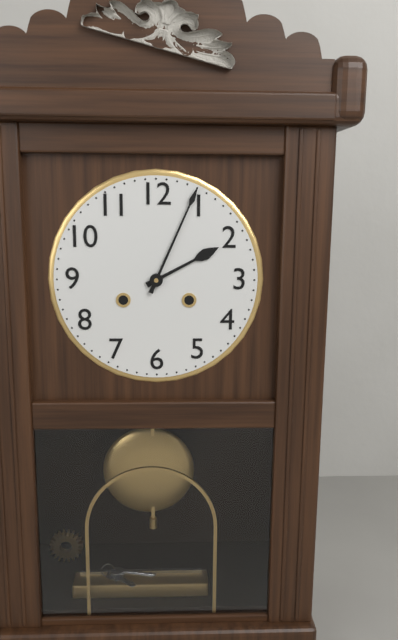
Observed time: 2:04
